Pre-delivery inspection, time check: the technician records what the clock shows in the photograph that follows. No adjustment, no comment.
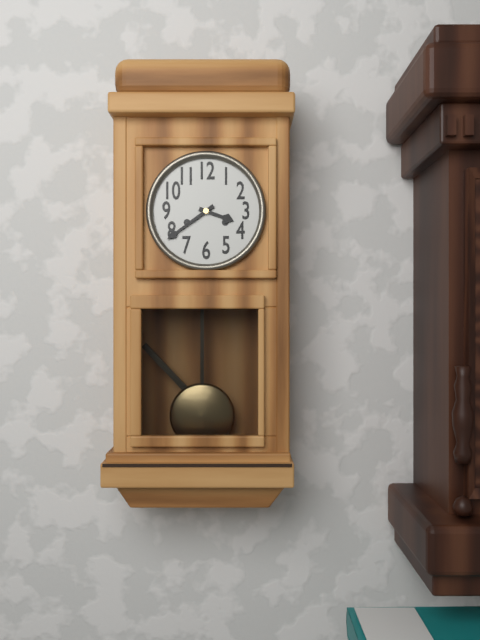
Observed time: 3:39
